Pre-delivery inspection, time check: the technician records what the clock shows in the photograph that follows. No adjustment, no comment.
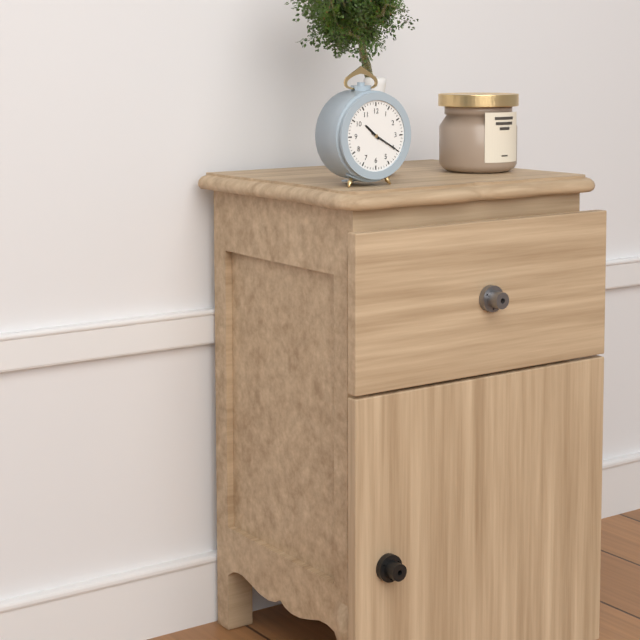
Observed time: 10:20
